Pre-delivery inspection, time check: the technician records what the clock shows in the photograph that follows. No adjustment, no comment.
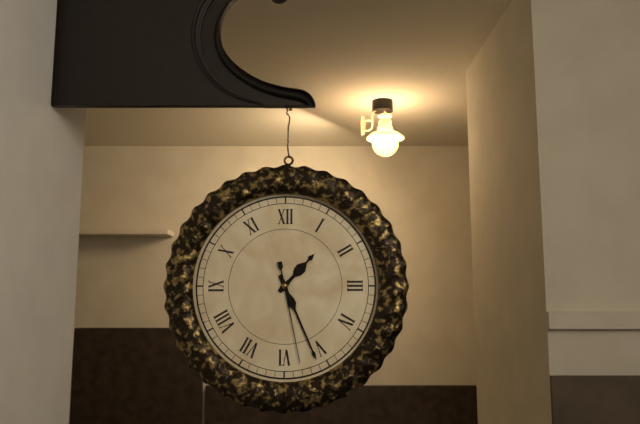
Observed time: 1:26:28
